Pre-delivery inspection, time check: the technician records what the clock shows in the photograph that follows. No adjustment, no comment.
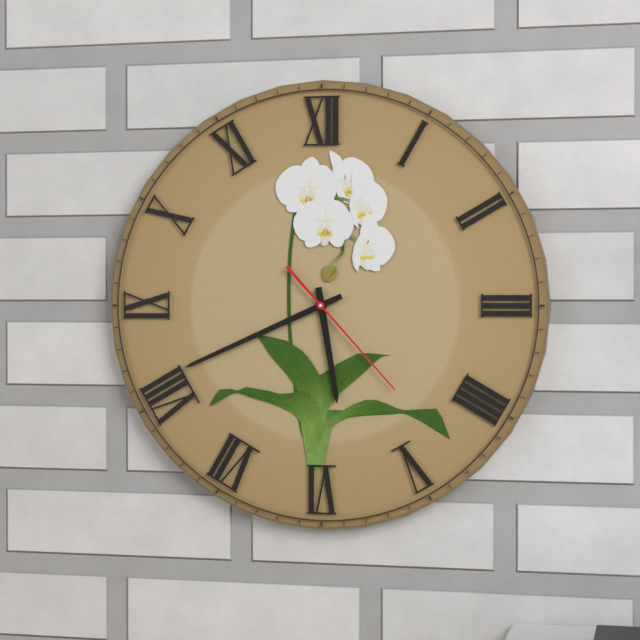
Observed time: 5:41:23
